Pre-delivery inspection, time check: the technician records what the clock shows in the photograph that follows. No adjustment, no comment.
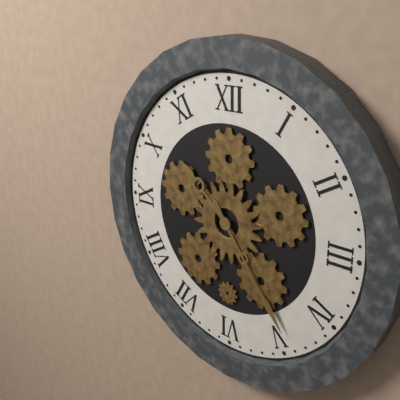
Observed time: 10:24
